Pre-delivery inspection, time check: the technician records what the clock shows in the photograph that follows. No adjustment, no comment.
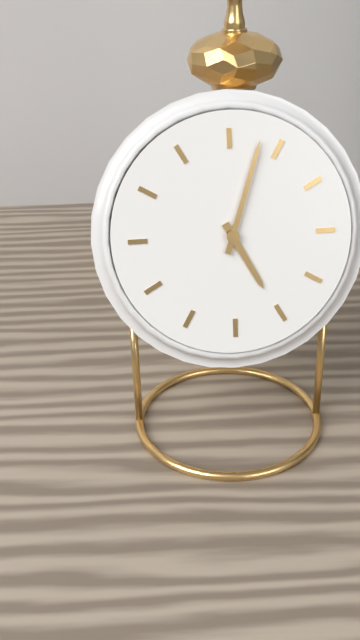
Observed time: 5:03
